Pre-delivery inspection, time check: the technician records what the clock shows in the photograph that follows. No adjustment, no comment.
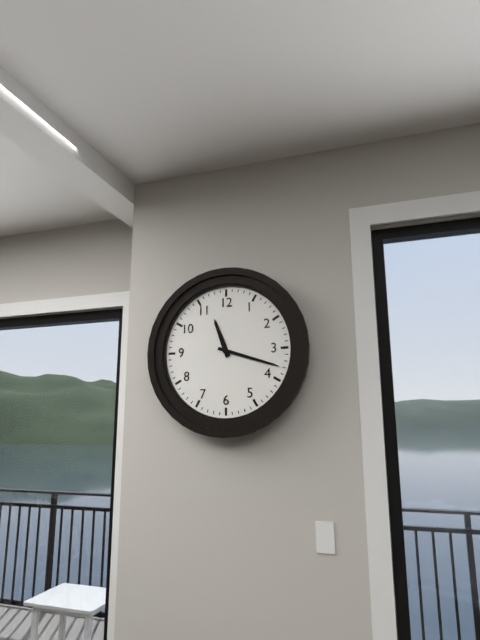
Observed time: 11:18
